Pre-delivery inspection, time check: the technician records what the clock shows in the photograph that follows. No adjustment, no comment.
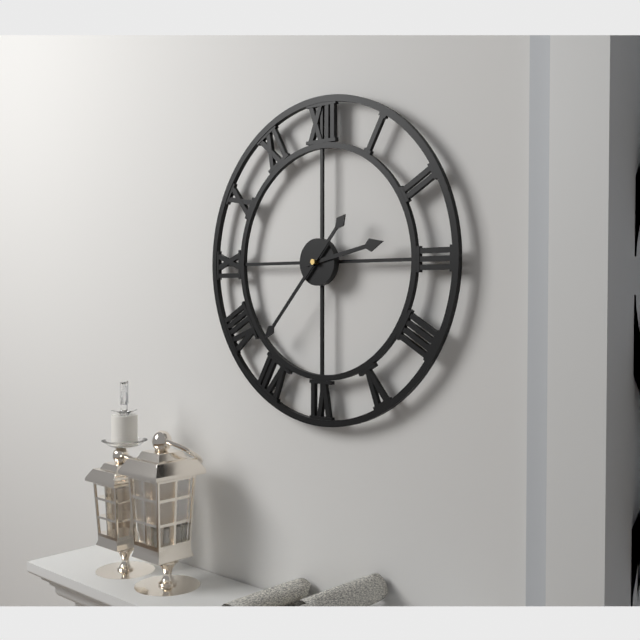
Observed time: 2:37
